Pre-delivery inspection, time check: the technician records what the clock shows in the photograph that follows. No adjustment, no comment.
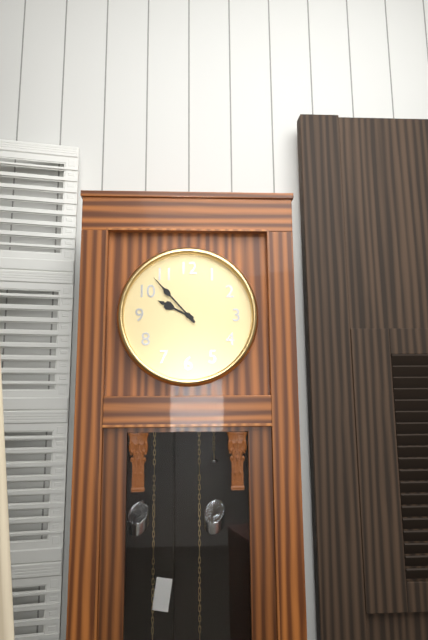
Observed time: 9:53
